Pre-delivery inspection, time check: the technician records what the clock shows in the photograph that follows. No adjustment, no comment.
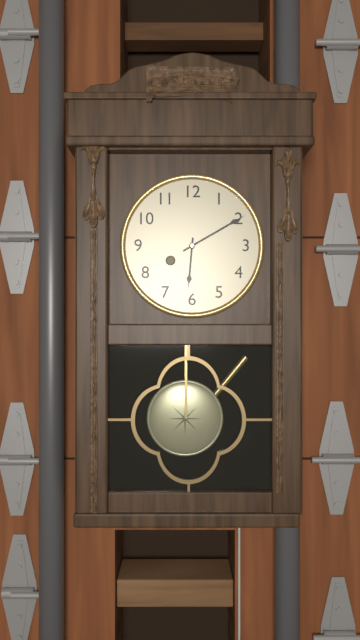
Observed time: 6:10
